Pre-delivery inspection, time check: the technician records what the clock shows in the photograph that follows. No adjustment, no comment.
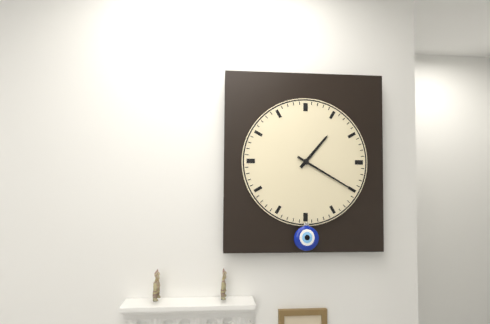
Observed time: 1:20
